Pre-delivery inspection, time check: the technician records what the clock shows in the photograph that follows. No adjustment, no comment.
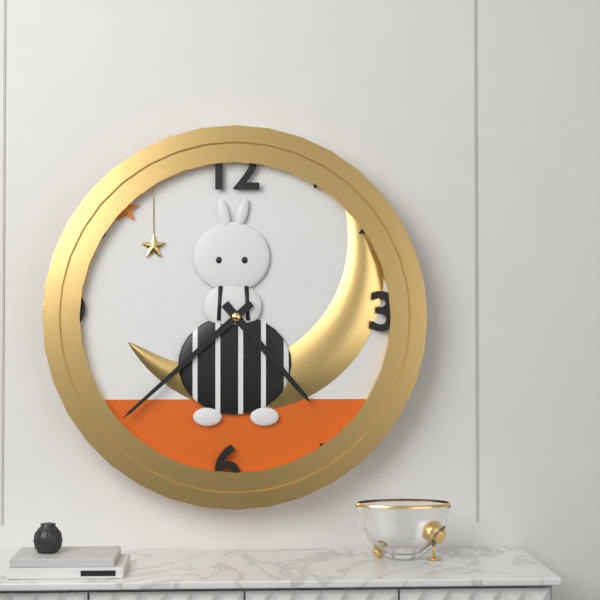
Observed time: 4:38
